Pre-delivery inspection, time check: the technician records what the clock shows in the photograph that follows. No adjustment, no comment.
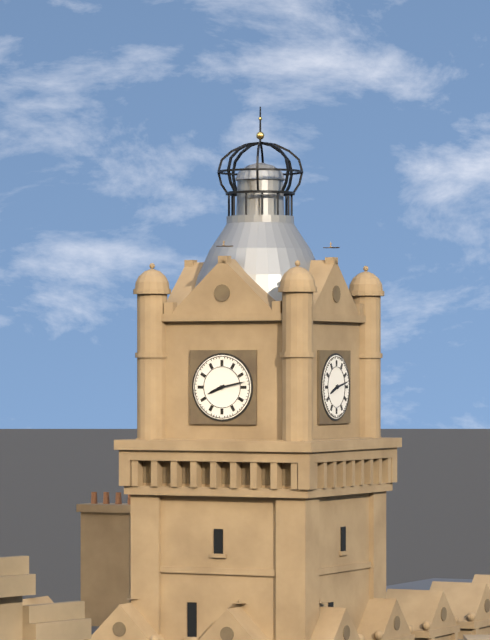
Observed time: 8:13
